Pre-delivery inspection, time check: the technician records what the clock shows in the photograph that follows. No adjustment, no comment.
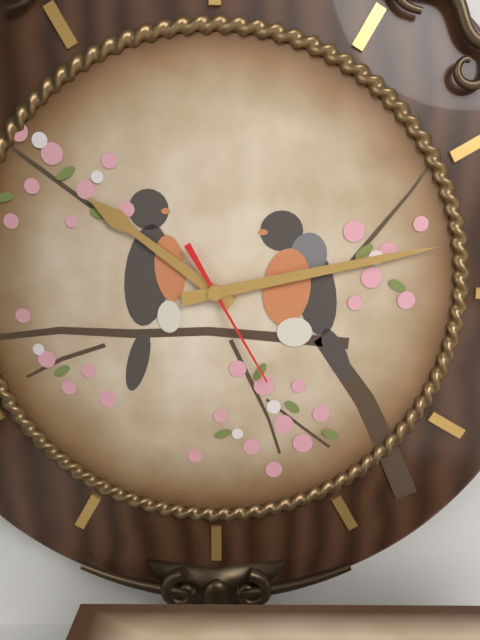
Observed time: 10:13:25
